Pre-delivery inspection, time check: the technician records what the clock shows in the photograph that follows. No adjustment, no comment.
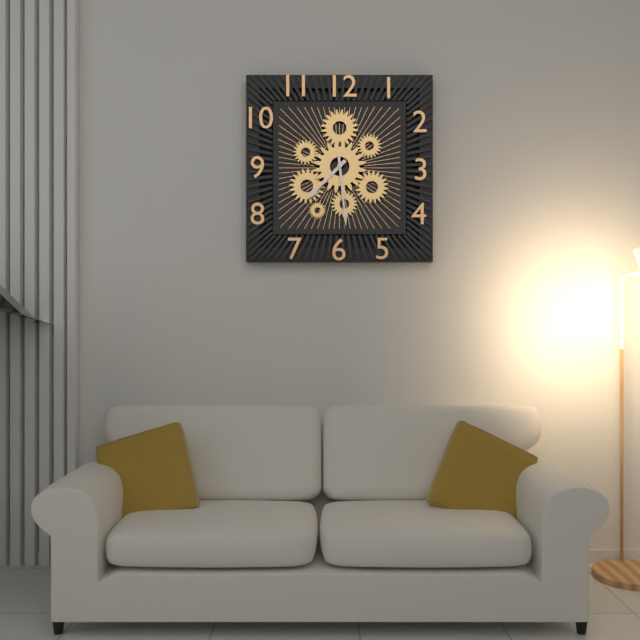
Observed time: 7:29
